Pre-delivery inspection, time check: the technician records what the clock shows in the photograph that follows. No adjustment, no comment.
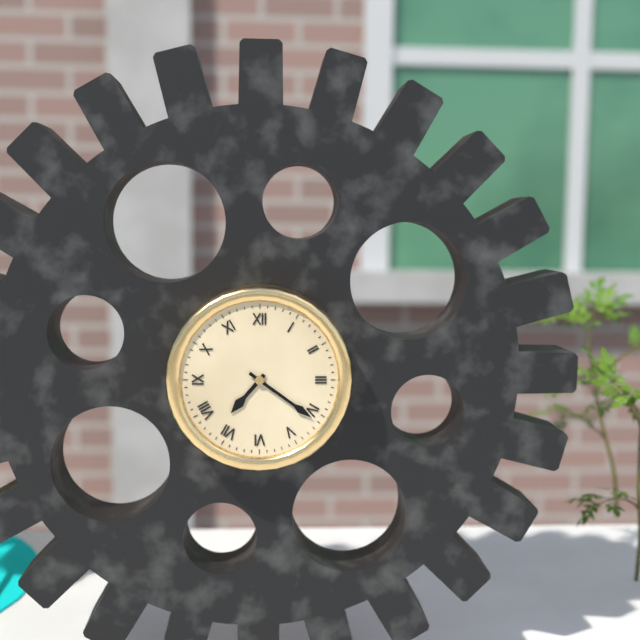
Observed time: 7:21
